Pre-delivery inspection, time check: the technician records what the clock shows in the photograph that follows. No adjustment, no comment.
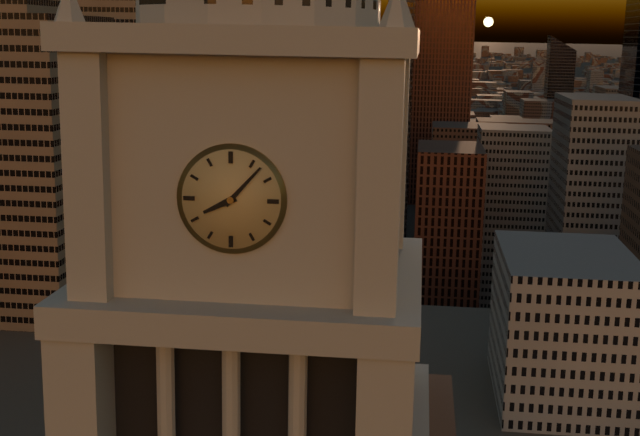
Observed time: 8:07
